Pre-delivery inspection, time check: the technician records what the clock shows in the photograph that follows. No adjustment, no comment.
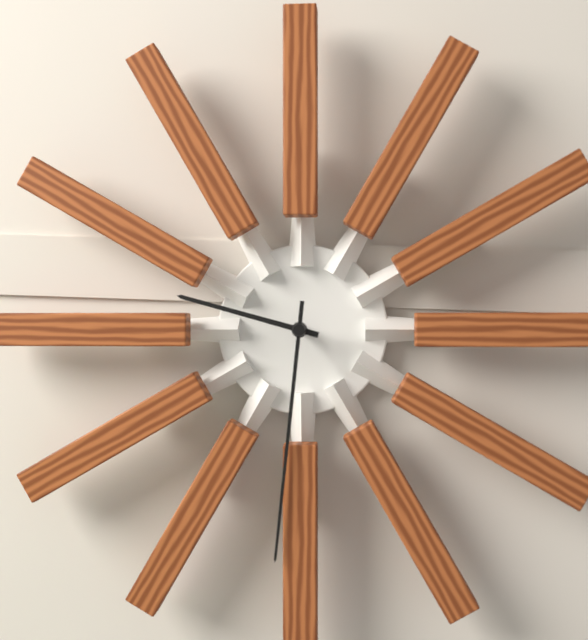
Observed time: 9:31
